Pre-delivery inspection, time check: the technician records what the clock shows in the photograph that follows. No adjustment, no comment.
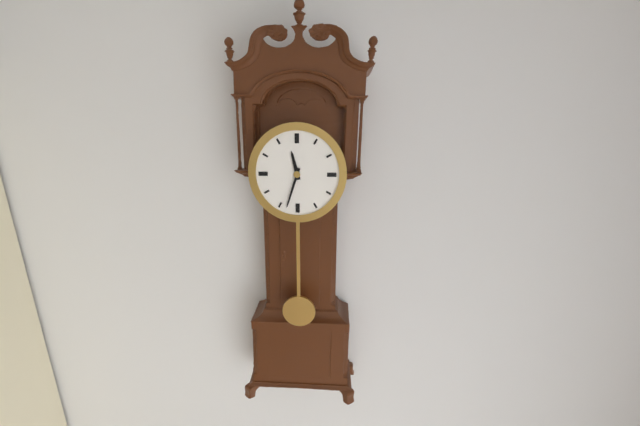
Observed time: 11:33
